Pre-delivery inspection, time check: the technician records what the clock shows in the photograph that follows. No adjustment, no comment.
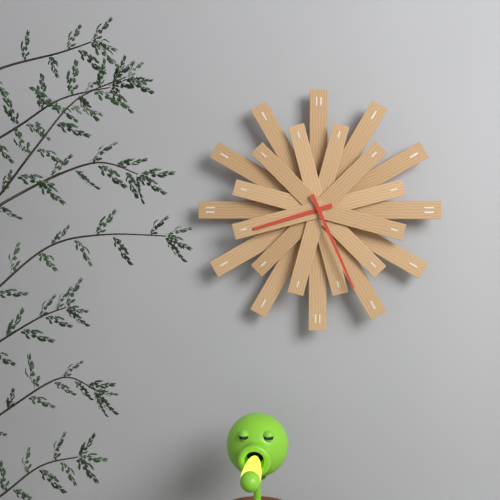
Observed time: 8:26
